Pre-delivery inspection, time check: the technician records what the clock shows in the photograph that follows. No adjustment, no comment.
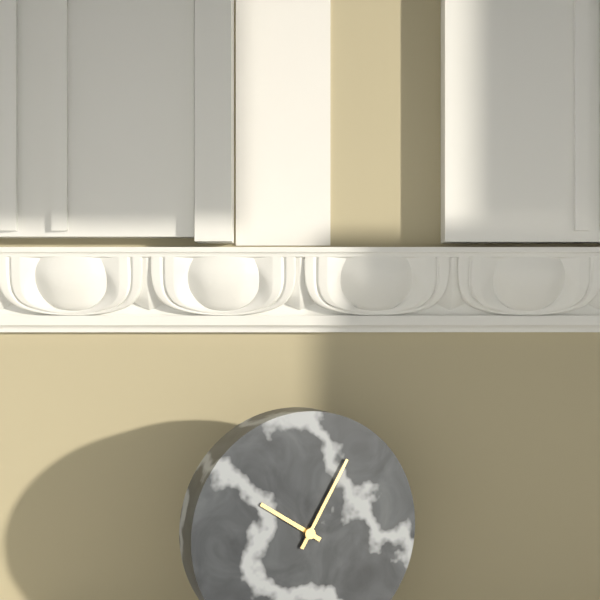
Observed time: 10:05
